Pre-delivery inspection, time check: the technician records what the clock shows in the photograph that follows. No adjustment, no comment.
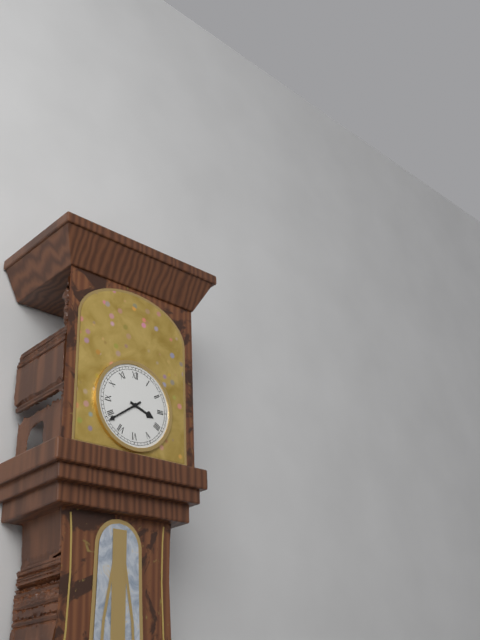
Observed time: 3:39
